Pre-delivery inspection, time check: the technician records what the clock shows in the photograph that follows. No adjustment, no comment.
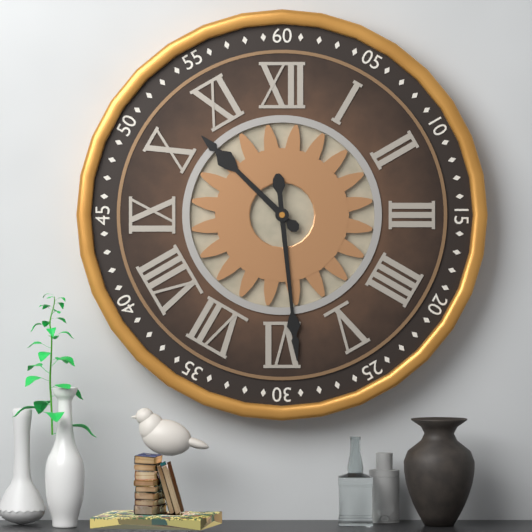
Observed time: 10:29
